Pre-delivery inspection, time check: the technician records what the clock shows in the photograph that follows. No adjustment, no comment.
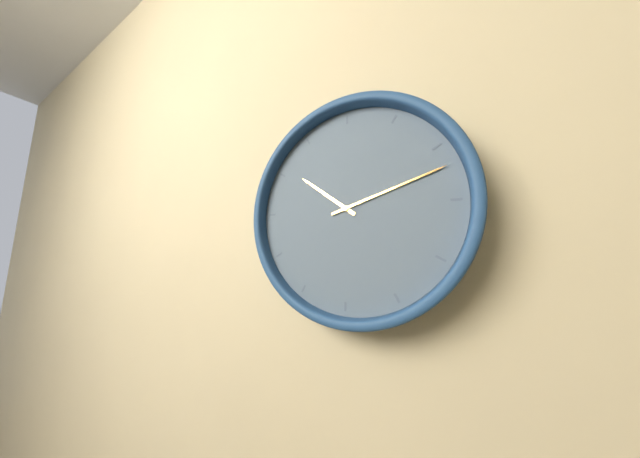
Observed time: 10:12
